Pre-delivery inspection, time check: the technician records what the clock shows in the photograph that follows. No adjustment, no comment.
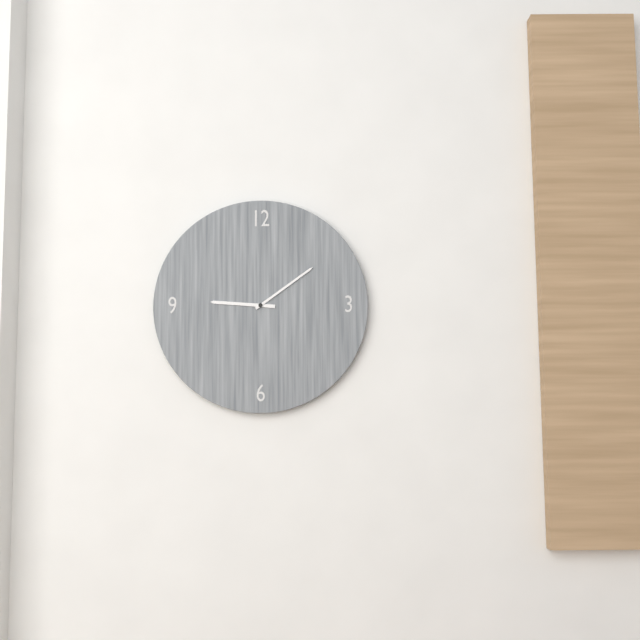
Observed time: 9:09
